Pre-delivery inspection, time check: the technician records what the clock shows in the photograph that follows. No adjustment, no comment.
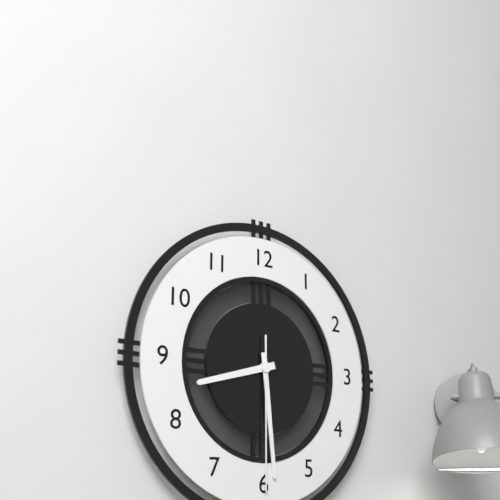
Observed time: 8:29:30
